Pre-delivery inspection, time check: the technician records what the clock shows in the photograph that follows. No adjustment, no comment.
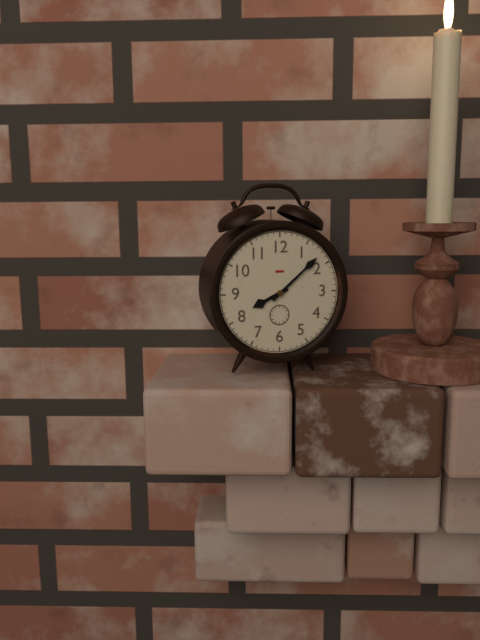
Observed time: 8:08
